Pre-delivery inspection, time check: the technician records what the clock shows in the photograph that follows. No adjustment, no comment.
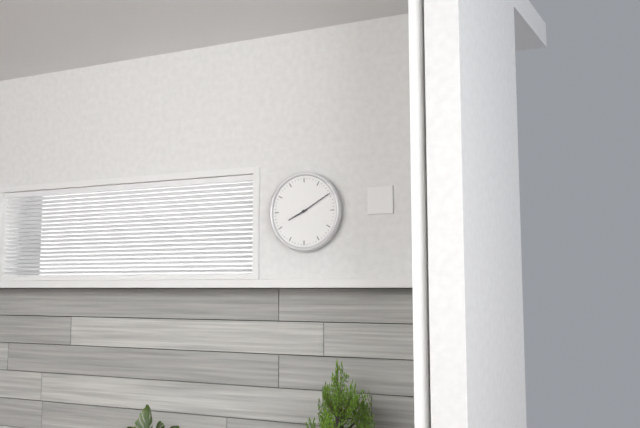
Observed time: 8:10
